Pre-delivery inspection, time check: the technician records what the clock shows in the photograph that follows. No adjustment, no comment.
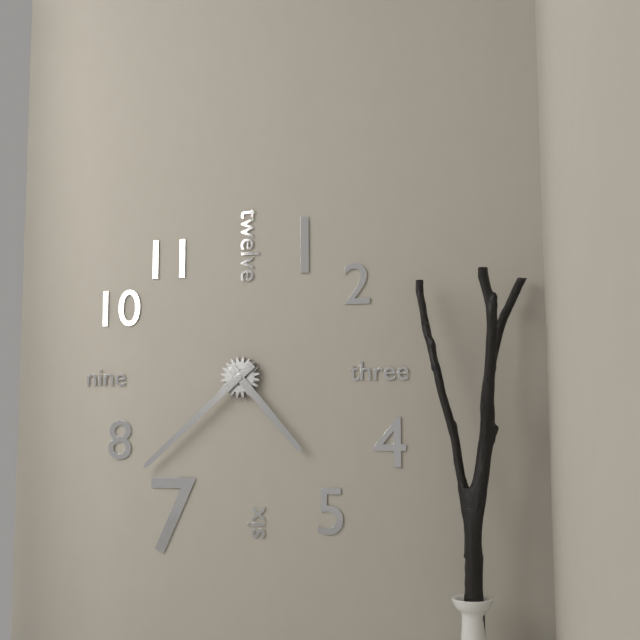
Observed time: 4:38
